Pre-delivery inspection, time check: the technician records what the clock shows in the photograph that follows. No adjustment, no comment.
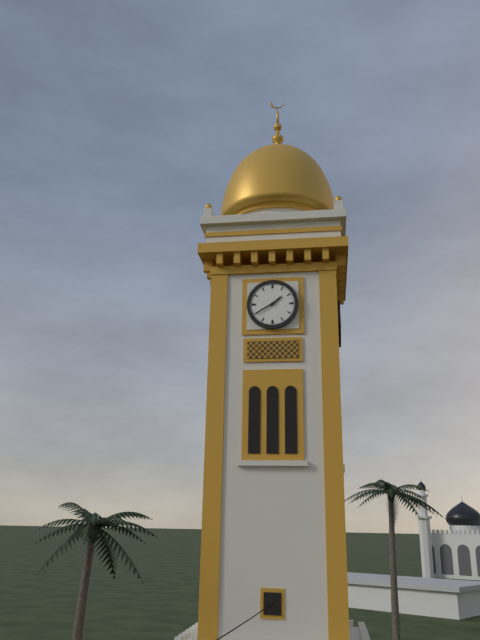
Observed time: 1:40
